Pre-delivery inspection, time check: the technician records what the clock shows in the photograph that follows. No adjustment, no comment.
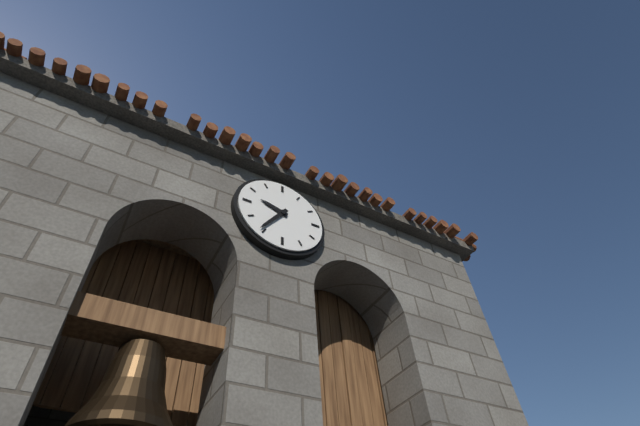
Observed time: 9:36
